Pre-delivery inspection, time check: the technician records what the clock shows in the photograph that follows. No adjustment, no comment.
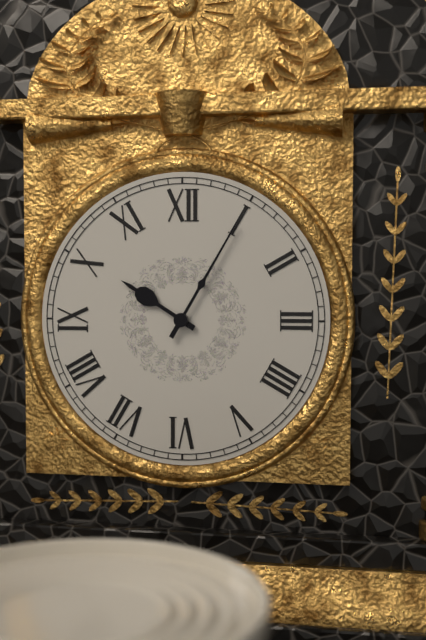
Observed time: 10:05
